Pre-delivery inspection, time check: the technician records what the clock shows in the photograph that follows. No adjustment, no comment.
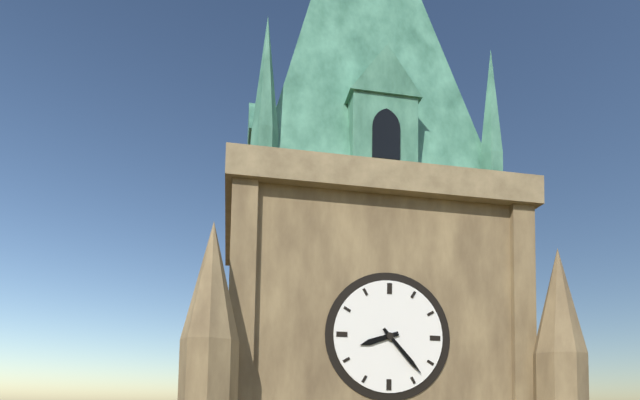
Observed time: 8:23
